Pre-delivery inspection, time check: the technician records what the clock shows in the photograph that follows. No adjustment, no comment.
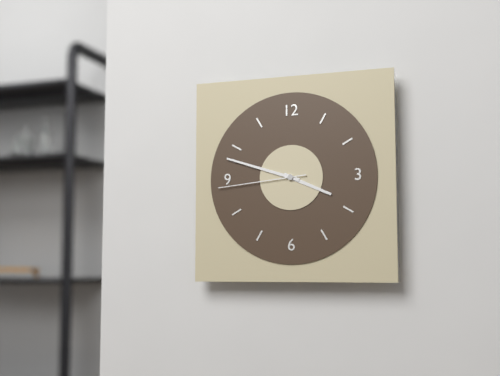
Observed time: 3:48:44
